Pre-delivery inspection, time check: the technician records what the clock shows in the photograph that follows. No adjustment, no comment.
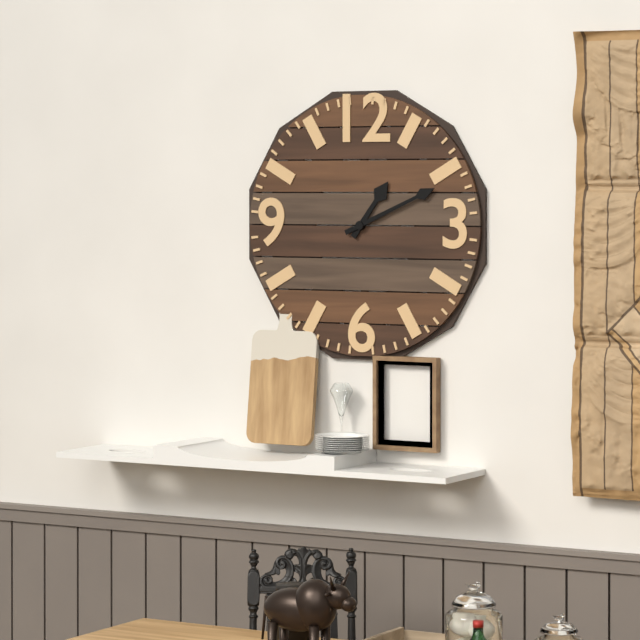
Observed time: 1:11
